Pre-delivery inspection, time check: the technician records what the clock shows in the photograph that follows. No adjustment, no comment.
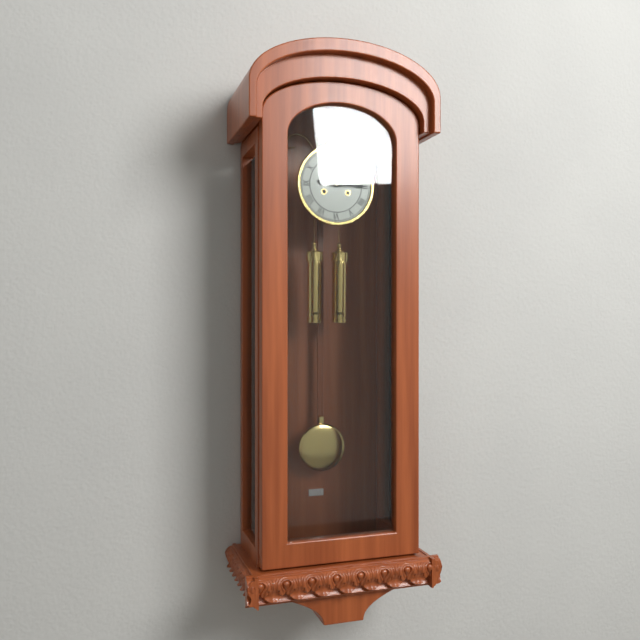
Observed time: 9:15
